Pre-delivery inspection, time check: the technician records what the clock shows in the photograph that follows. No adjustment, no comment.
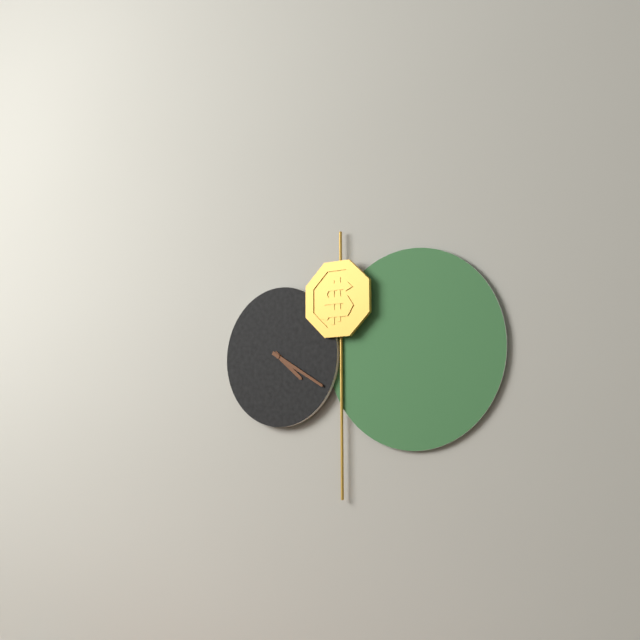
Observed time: 4:20
